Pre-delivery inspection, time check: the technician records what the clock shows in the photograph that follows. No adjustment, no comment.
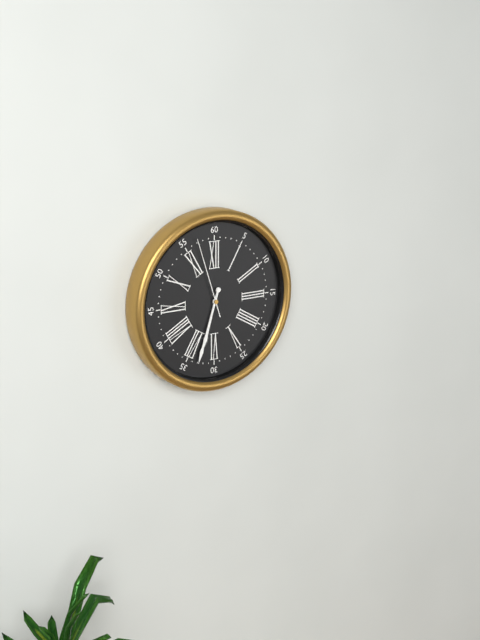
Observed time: 6:33:57
